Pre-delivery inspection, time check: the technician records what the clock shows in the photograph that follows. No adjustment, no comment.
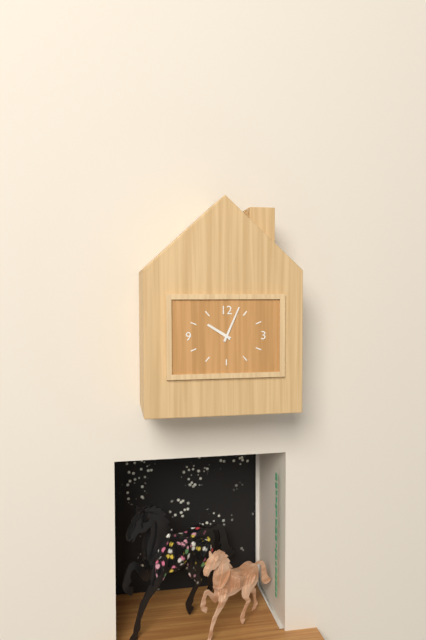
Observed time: 10:04
